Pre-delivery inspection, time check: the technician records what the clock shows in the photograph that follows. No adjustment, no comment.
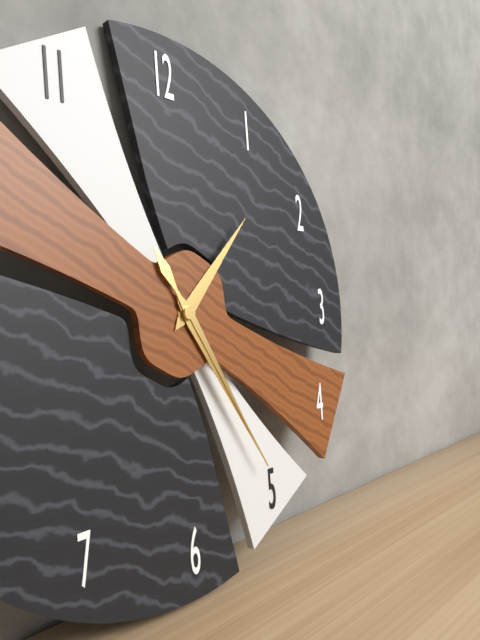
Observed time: 1:25:25
